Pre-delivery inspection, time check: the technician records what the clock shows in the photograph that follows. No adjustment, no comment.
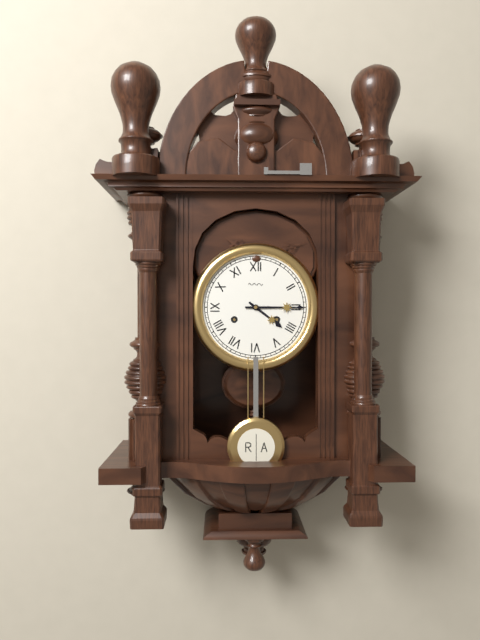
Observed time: 4:15
